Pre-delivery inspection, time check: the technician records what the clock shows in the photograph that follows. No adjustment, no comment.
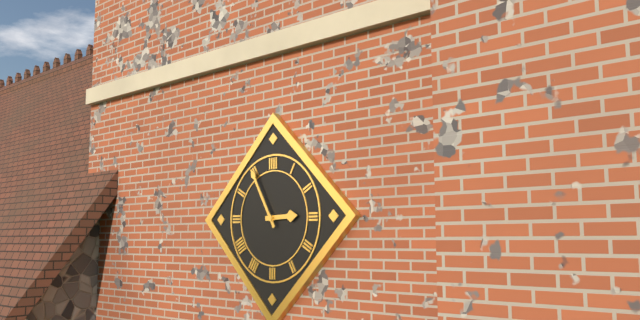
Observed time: 2:55
